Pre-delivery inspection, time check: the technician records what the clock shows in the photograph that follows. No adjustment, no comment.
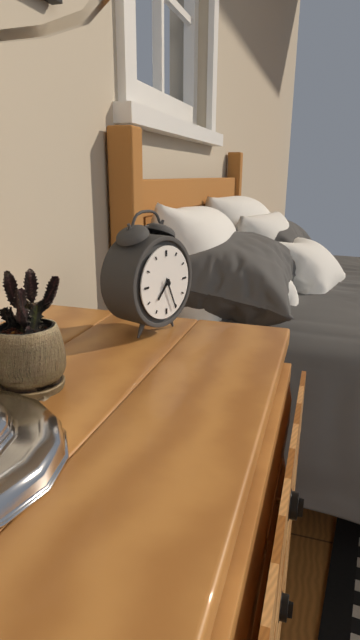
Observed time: 7:26
